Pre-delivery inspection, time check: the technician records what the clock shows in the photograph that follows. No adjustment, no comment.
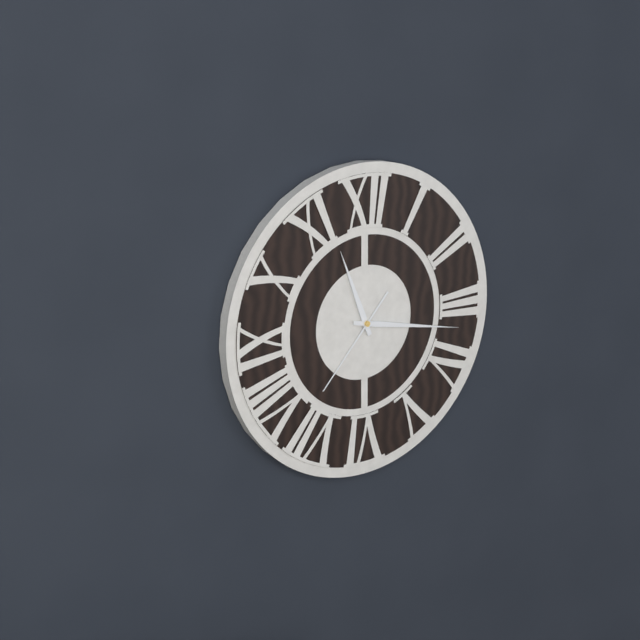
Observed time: 11:17:37
